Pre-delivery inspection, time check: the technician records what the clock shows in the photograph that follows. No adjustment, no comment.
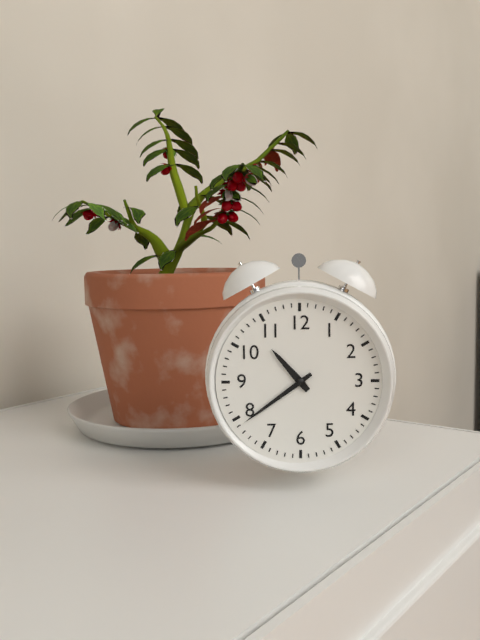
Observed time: 10:39
